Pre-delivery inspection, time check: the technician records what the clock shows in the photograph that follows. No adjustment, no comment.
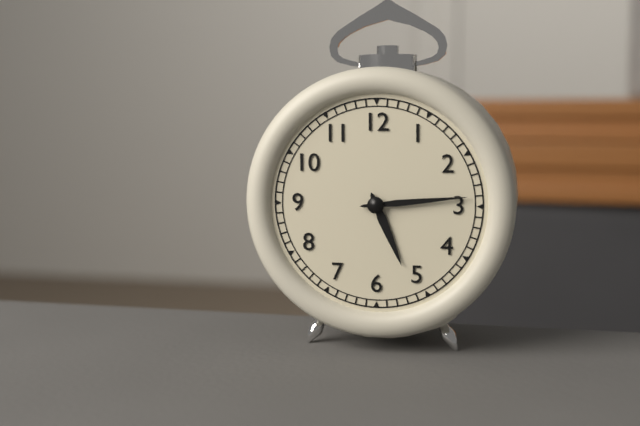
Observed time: 5:14
